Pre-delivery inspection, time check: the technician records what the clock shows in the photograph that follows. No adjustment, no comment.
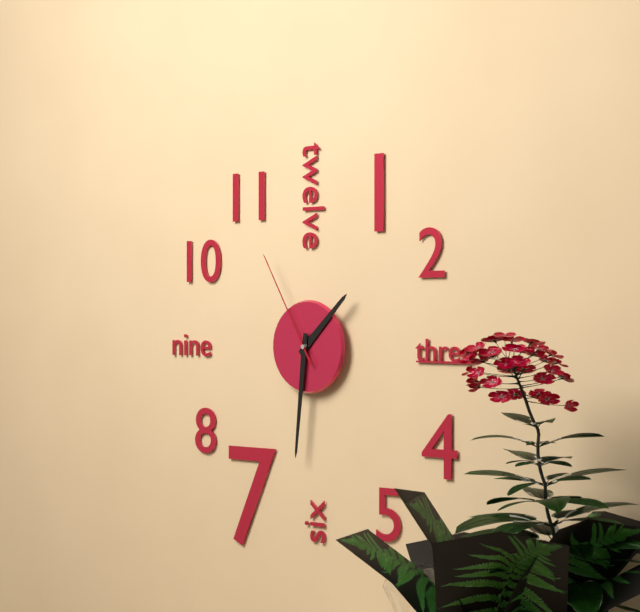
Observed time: 1:31:55
